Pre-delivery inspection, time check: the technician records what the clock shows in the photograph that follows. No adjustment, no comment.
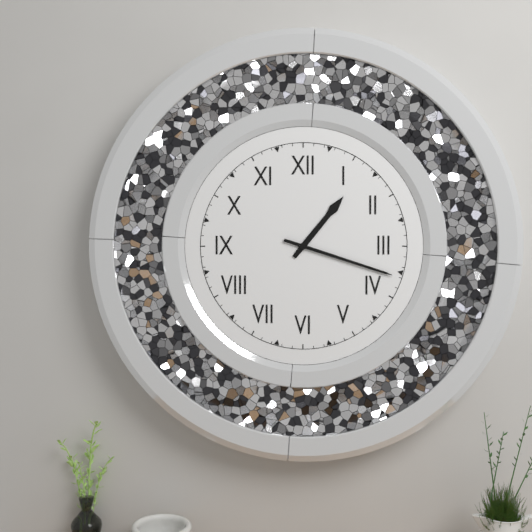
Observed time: 1:18
